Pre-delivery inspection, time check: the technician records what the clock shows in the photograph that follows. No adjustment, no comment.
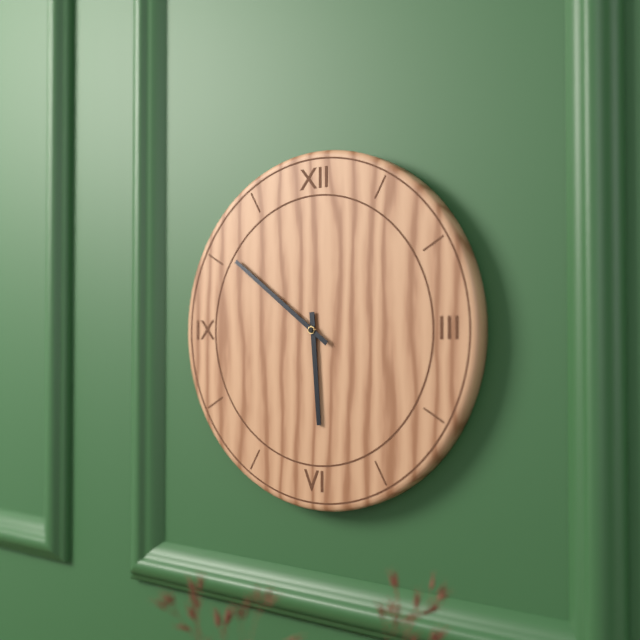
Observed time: 5:51
